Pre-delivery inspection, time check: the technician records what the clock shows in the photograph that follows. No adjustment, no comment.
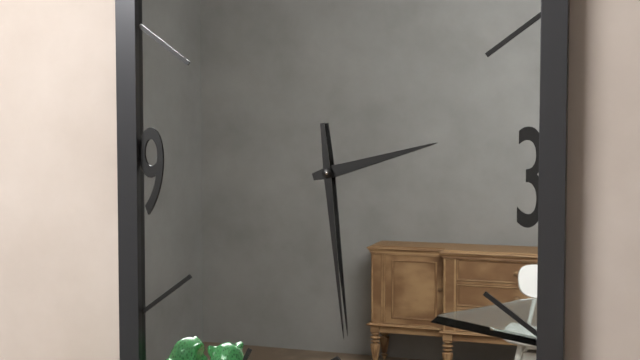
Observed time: 2:29
